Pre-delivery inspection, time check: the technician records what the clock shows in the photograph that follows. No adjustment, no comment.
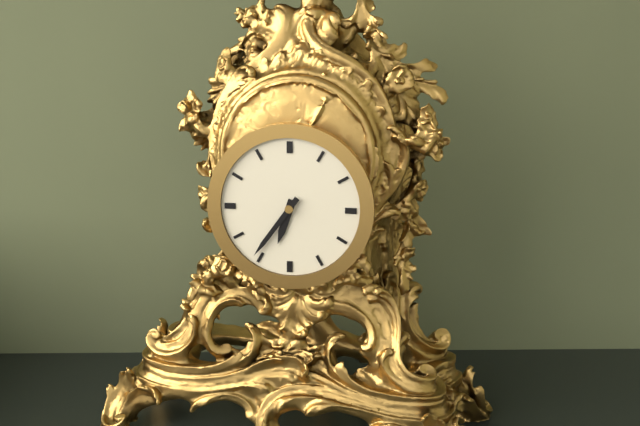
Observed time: 6:36
